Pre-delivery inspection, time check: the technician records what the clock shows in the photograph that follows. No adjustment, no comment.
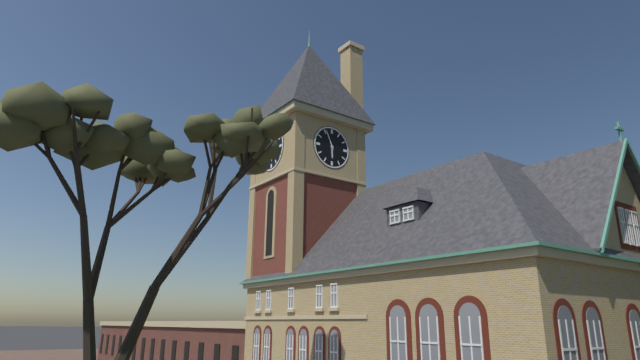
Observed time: 5:56
